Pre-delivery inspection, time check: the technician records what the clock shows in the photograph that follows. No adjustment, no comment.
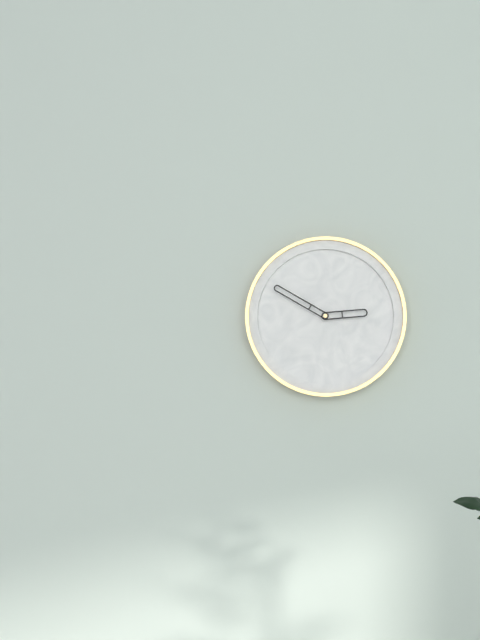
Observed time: 2:50
